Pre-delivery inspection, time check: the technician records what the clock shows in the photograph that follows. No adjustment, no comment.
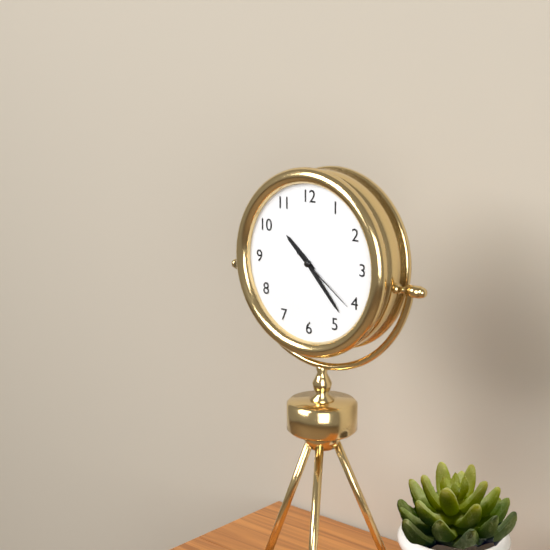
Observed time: 10:23:21
